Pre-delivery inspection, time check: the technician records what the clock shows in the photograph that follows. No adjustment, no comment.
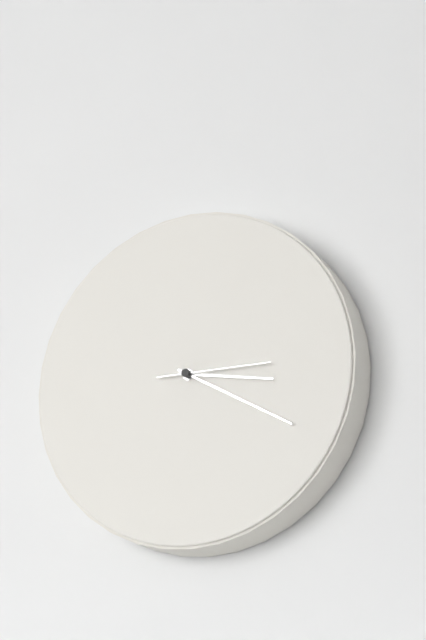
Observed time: 3:20:15
